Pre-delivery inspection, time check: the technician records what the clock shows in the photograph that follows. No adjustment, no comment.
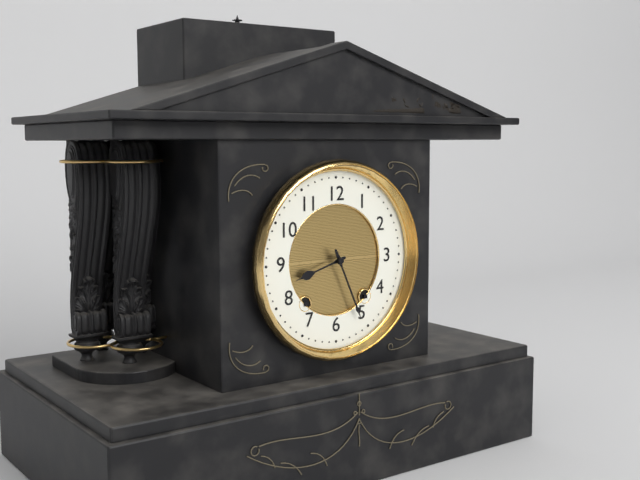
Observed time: 8:26
